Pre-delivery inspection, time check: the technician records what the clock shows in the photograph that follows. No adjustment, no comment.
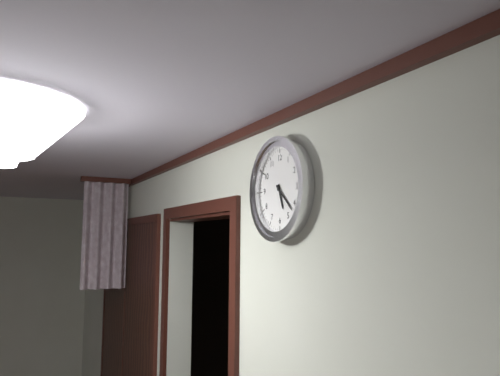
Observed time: 5:22
